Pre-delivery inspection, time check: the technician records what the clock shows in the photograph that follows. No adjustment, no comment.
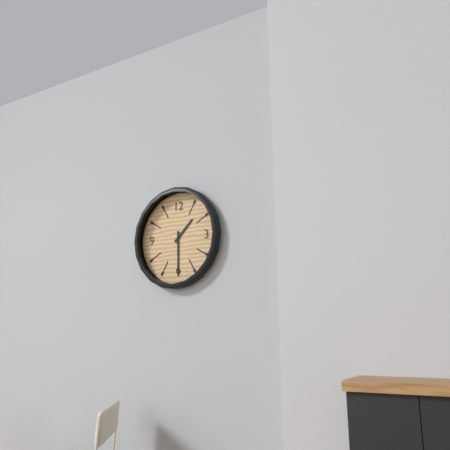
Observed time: 1:30
